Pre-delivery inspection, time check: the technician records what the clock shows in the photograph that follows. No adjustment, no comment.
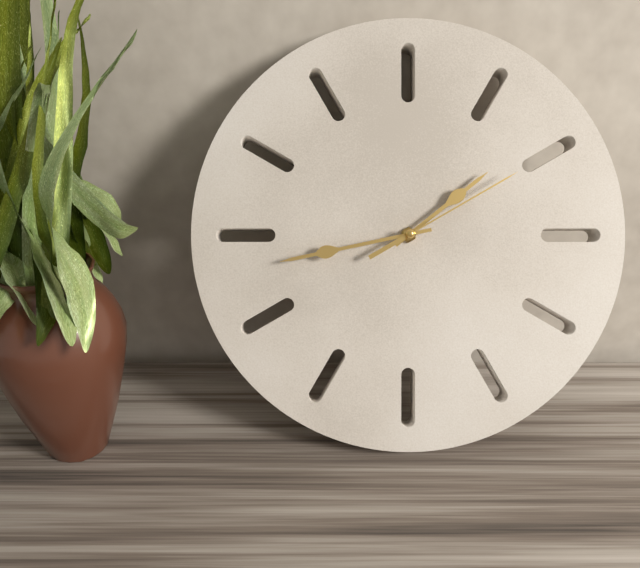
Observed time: 1:43:10
